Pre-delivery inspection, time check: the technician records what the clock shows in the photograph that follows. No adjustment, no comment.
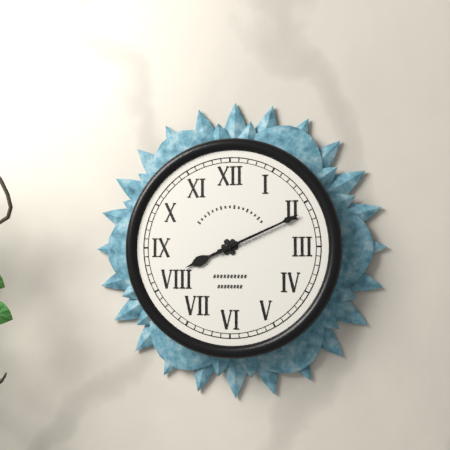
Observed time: 8:11
